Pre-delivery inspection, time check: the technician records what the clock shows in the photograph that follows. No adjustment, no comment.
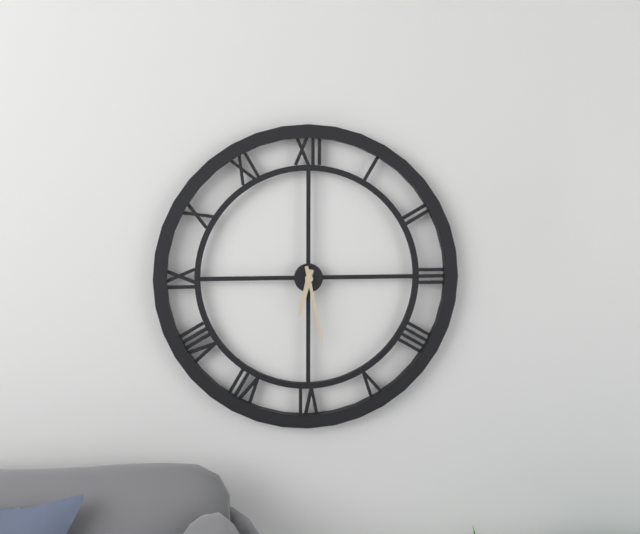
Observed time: 6:28
